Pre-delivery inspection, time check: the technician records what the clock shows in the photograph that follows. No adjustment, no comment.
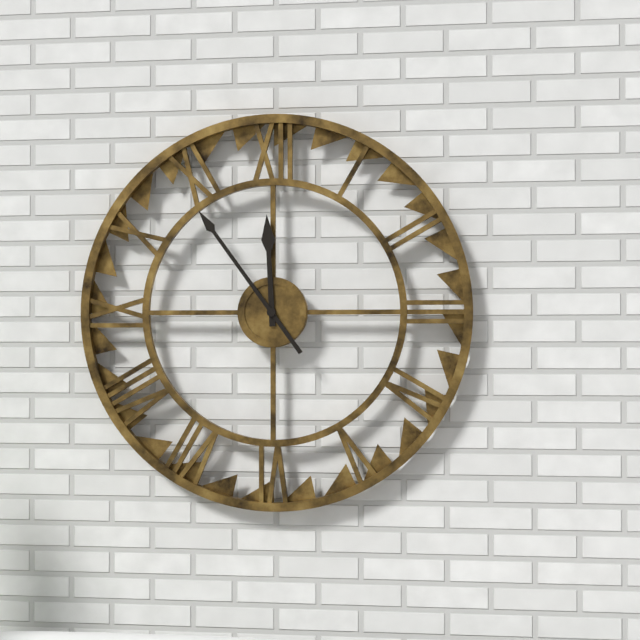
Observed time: 11:54
